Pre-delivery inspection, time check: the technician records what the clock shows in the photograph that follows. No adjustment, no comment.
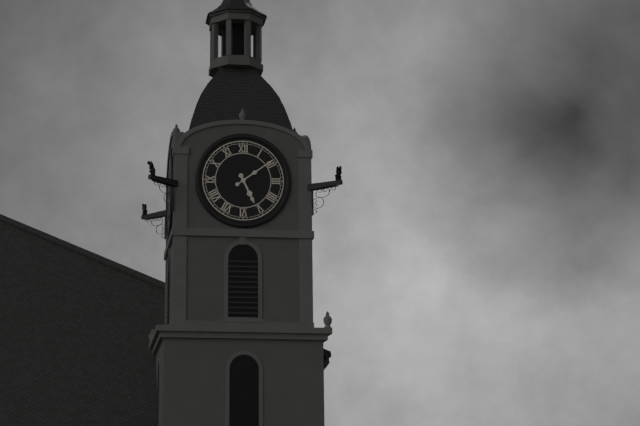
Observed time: 5:09
